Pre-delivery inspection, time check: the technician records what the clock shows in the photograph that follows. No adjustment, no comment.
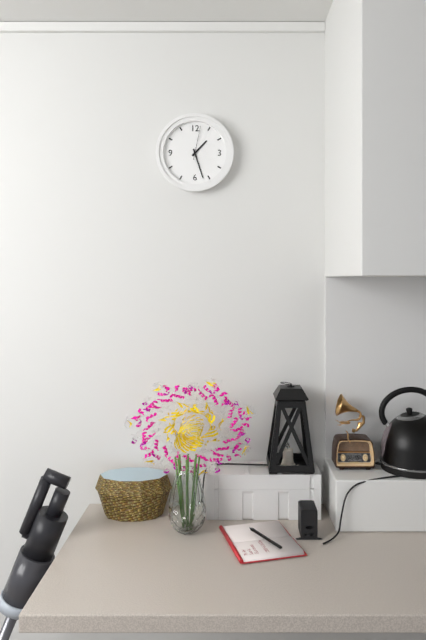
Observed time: 1:27
